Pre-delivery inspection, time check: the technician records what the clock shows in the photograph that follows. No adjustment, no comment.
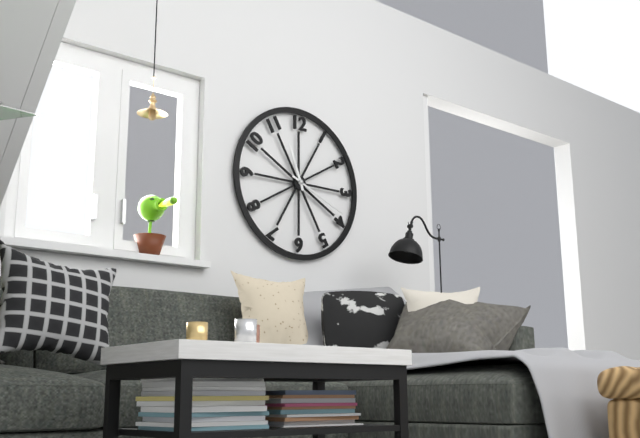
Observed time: 11:19
